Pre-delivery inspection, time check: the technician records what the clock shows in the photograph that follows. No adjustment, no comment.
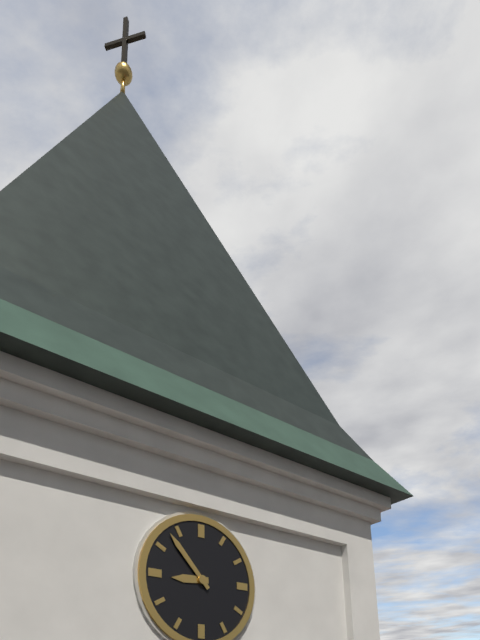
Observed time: 8:53
